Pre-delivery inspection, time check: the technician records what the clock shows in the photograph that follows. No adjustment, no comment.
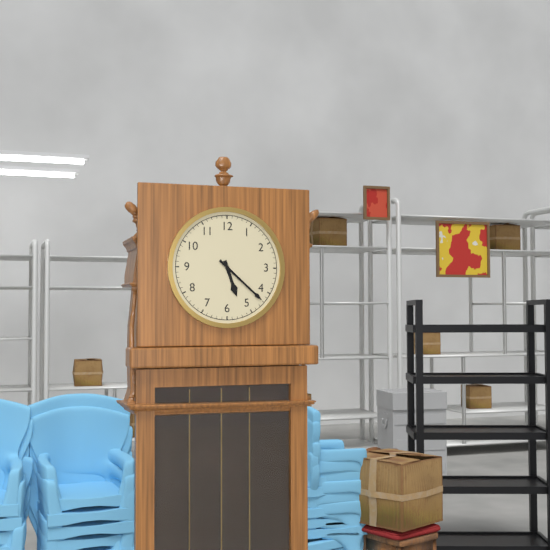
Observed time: 5:22
